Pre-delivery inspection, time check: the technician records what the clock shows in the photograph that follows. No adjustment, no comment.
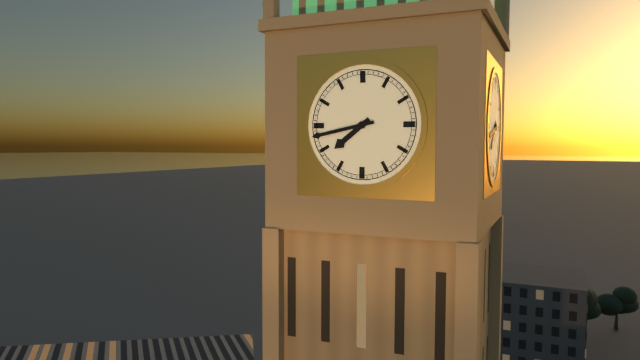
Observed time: 7:43
